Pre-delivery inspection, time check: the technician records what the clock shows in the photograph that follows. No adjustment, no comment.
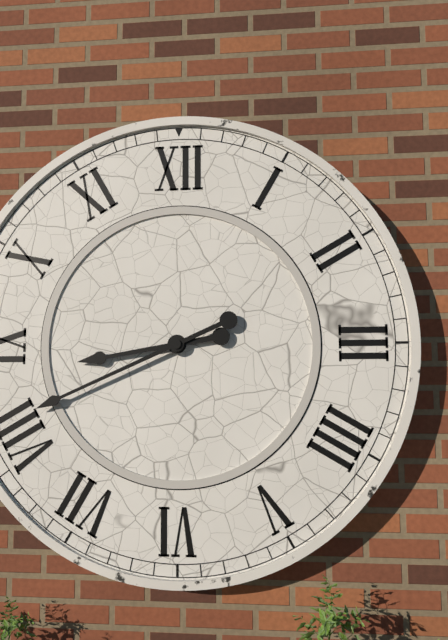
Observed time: 8:41
